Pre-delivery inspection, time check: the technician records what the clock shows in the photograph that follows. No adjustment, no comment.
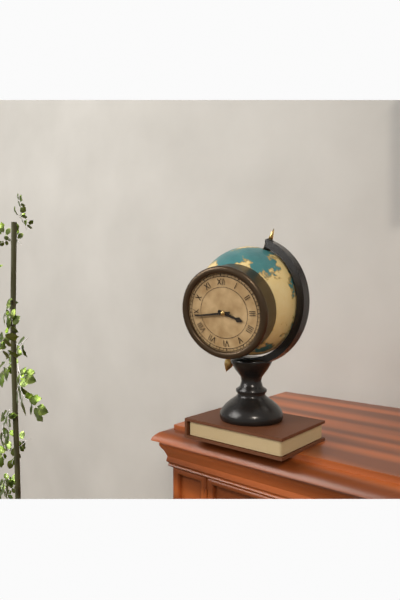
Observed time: 3:44
